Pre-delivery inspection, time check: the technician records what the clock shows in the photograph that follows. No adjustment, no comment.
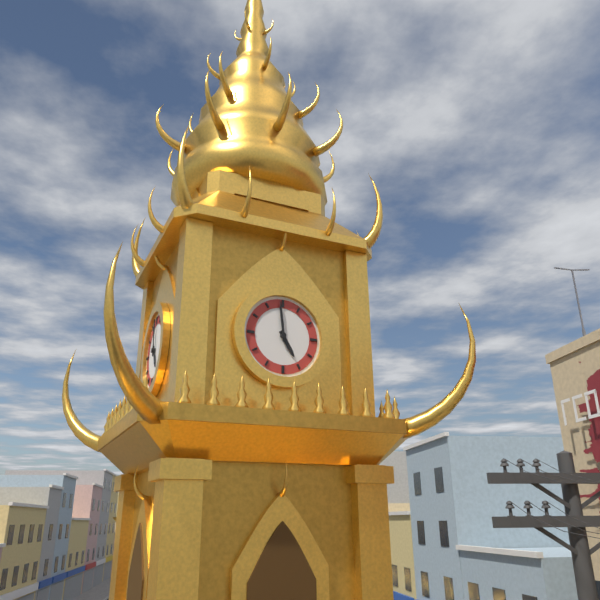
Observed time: 4:59
